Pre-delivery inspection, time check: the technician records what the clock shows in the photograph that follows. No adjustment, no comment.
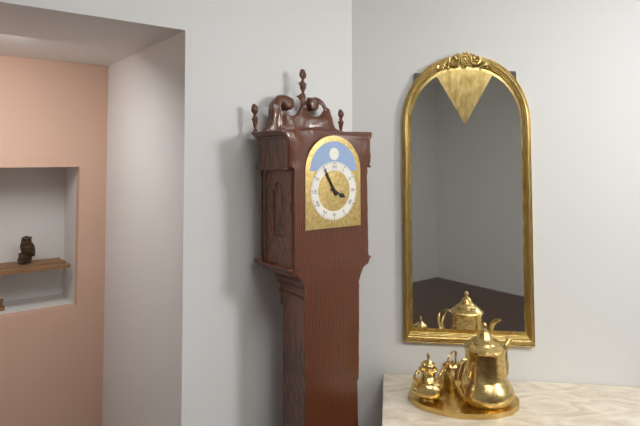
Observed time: 3:55
